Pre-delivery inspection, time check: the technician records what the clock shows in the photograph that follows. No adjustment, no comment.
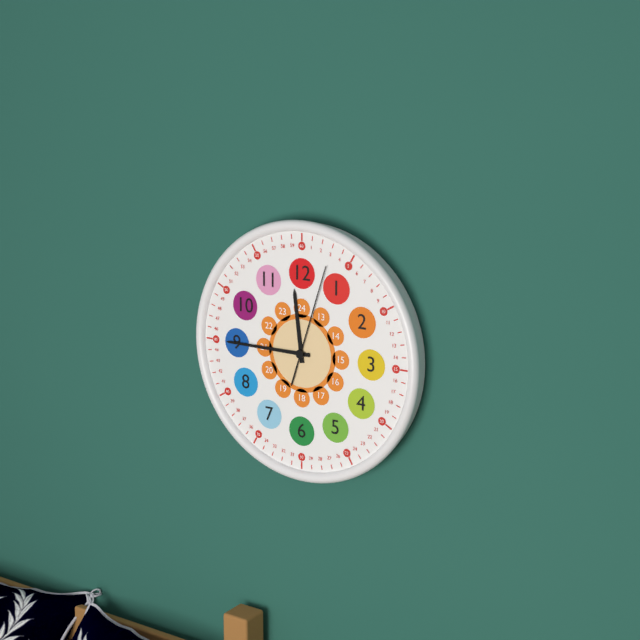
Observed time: 11:45:03
